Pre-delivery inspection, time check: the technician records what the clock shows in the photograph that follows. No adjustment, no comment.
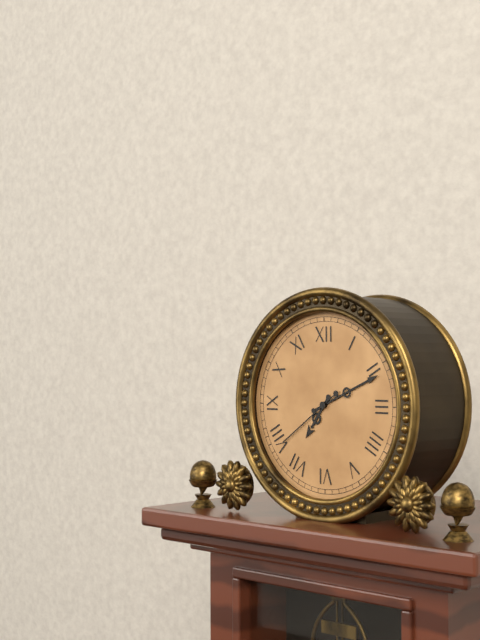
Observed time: 7:11:39
